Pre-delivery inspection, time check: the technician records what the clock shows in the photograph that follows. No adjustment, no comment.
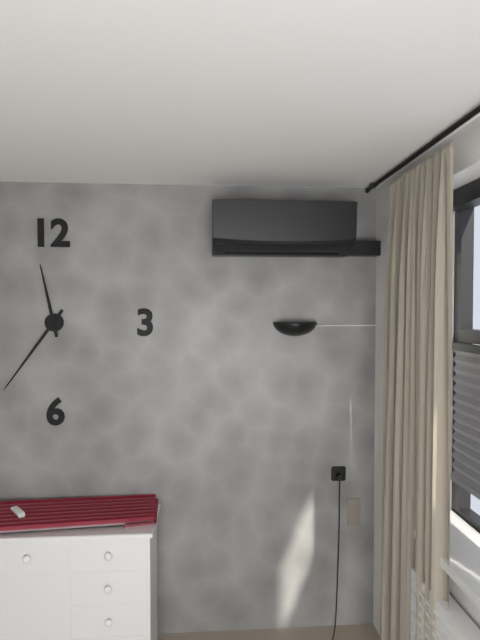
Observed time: 11:36
